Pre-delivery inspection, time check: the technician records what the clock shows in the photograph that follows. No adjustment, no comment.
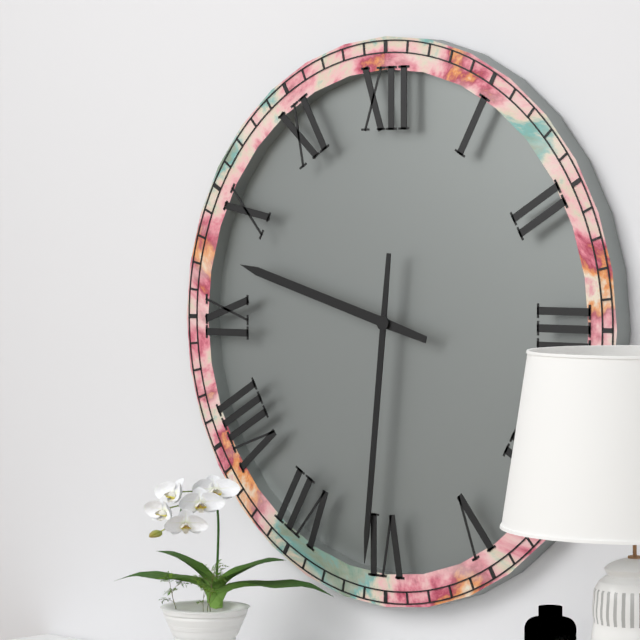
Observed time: 9:31
